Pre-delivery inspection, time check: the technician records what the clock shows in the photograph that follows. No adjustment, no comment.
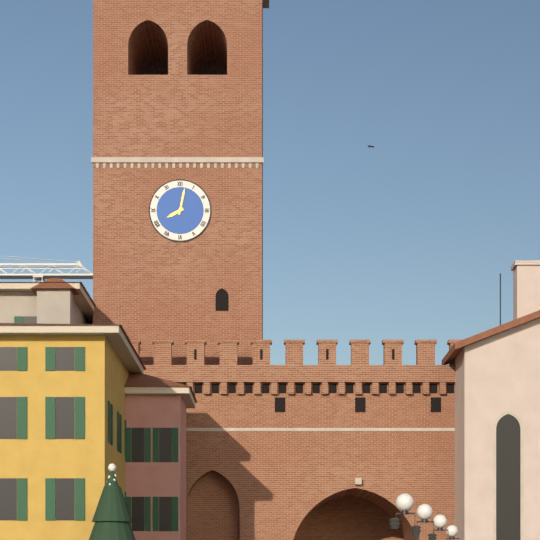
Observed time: 8:02
